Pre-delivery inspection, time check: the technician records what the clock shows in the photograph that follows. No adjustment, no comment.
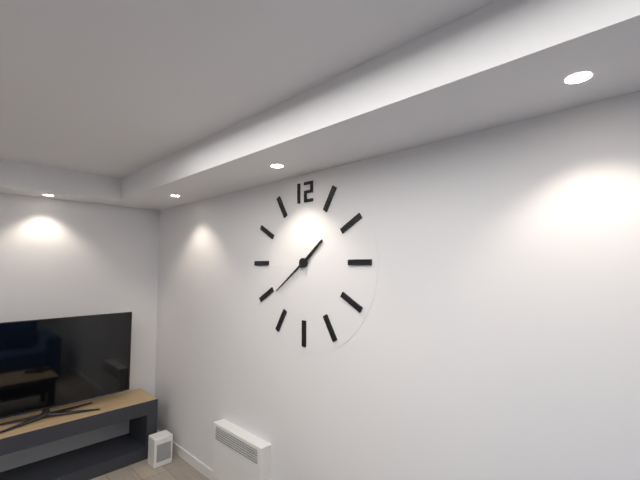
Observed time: 1:39
